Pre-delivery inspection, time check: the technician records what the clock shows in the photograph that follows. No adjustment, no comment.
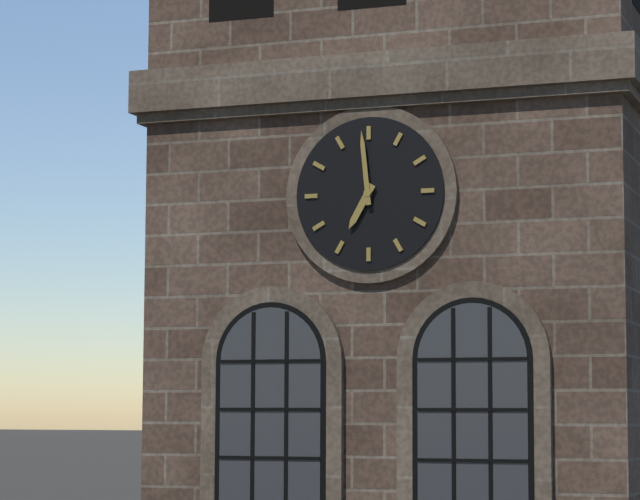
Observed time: 6:59
